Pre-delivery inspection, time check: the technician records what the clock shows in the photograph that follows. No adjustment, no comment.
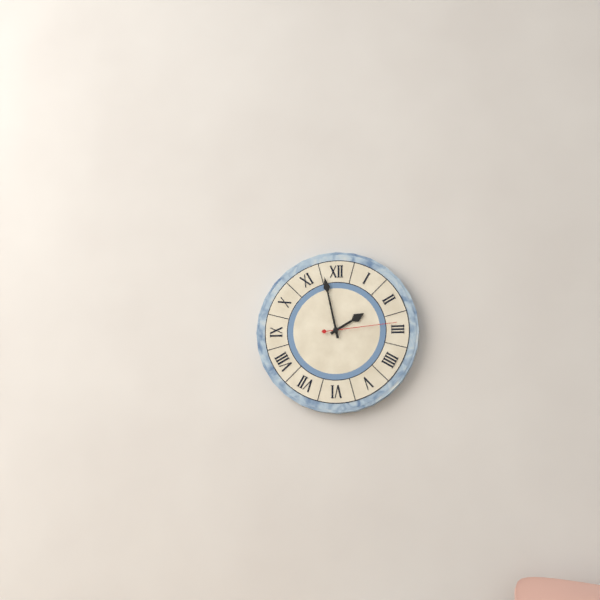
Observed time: 1:58:14
